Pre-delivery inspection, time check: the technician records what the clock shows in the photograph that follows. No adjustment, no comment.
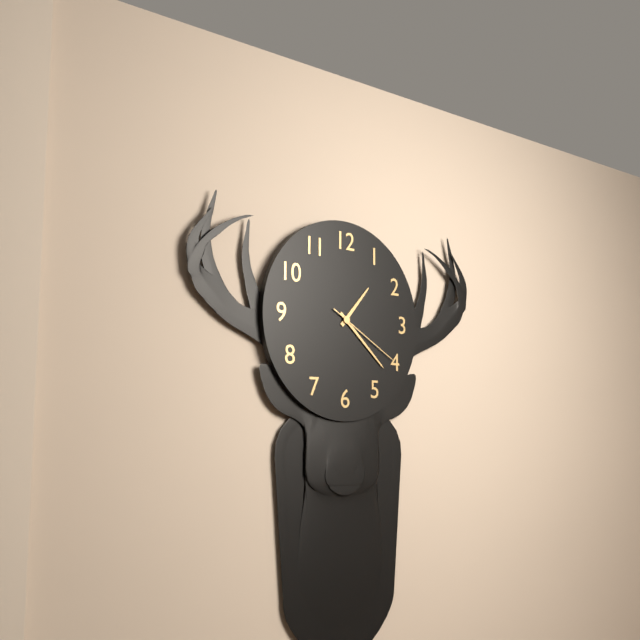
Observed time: 1:22:20
